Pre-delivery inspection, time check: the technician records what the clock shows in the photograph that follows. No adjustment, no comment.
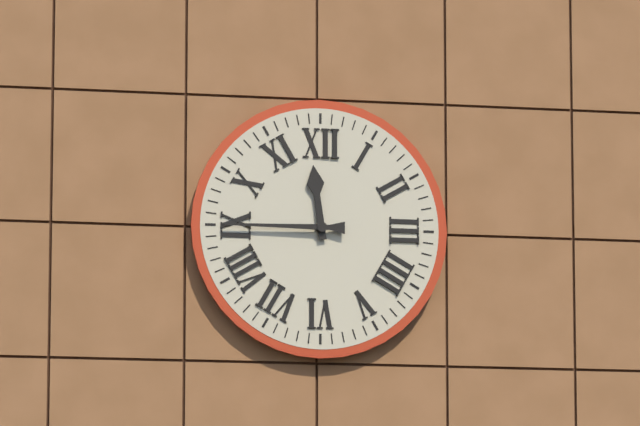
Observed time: 11:45
